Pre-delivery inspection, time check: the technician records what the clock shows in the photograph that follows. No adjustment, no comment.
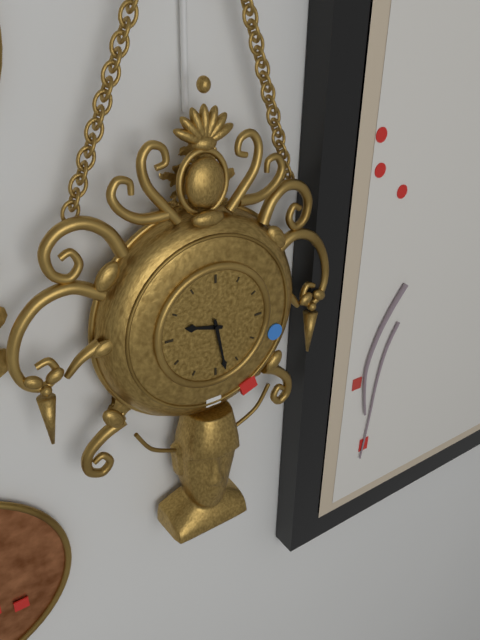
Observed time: 9:28
